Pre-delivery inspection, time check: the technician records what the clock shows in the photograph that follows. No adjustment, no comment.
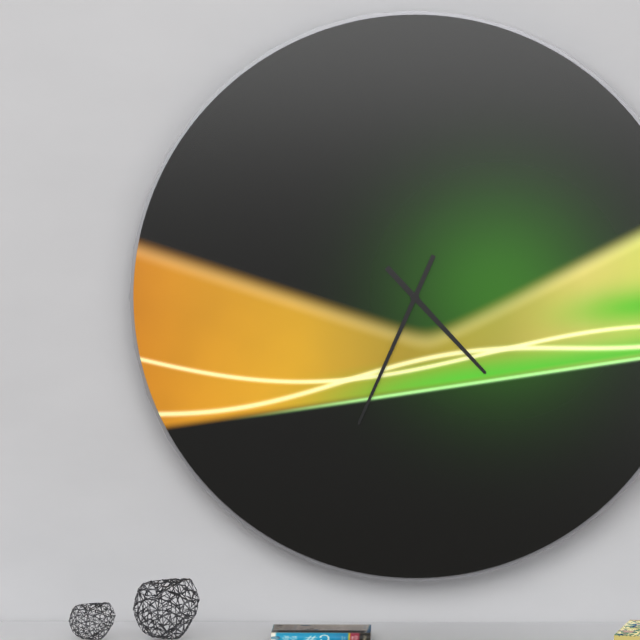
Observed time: 4:34
